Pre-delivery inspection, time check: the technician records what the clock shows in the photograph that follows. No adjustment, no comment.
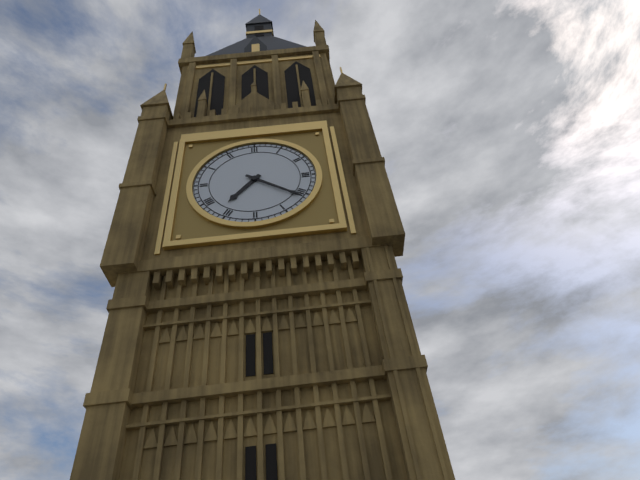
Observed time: 7:21
